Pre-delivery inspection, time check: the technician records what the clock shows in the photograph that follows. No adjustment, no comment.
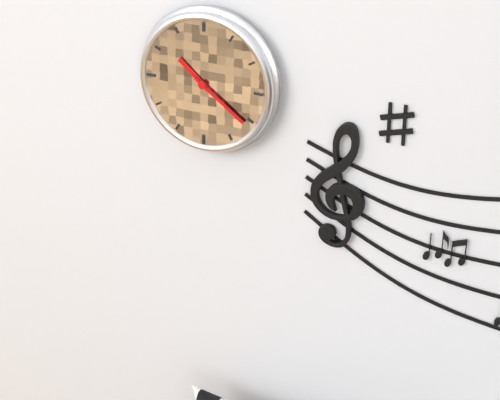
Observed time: 10:21
